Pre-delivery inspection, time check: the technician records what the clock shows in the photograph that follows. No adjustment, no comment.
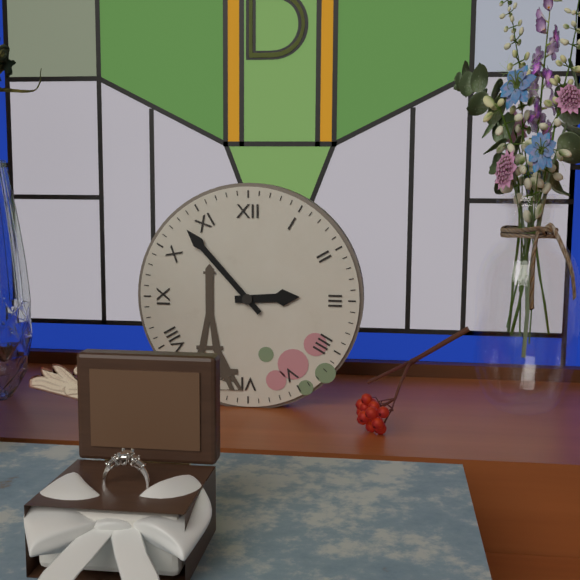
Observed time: 2:53
